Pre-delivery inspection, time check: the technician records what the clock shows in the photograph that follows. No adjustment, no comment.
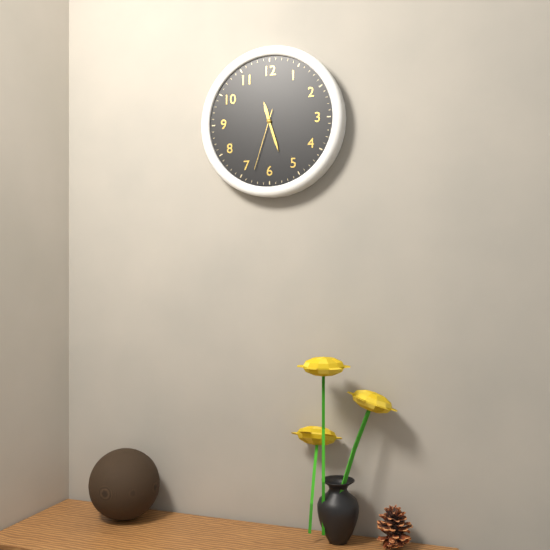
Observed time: 11:27:33
